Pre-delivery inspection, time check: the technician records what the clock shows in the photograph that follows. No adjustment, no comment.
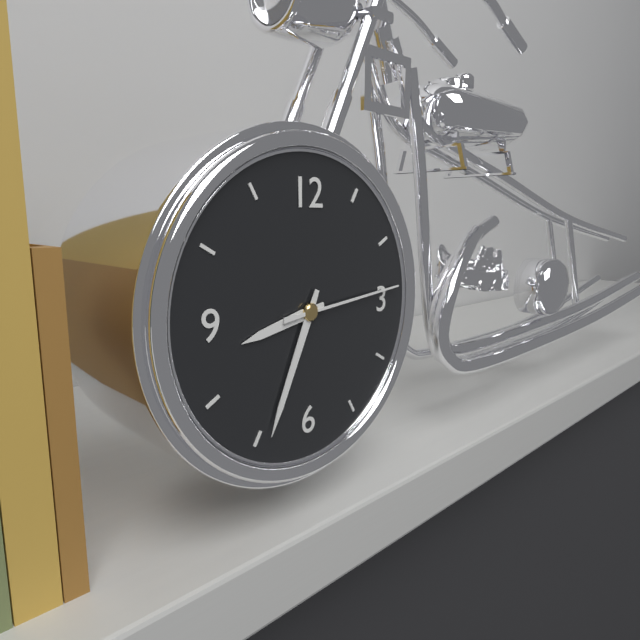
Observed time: 8:34:14
